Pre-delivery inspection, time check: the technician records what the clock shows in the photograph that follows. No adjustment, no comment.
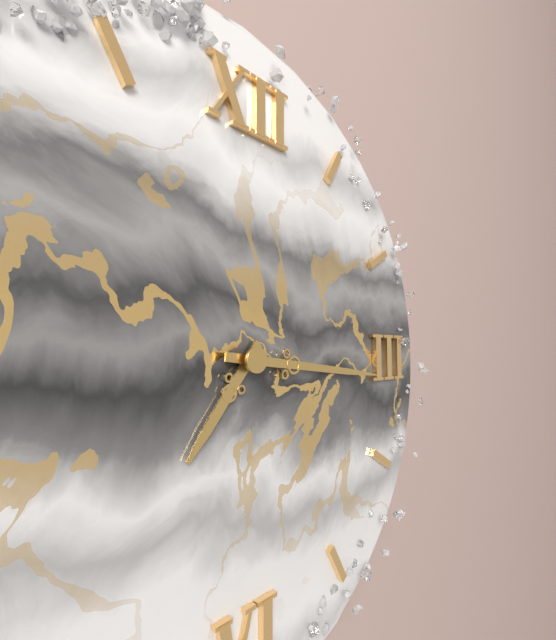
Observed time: 7:16
